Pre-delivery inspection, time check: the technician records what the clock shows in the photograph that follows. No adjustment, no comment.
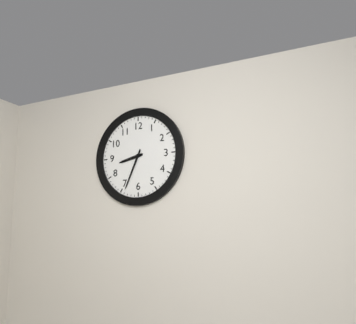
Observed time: 8:34
